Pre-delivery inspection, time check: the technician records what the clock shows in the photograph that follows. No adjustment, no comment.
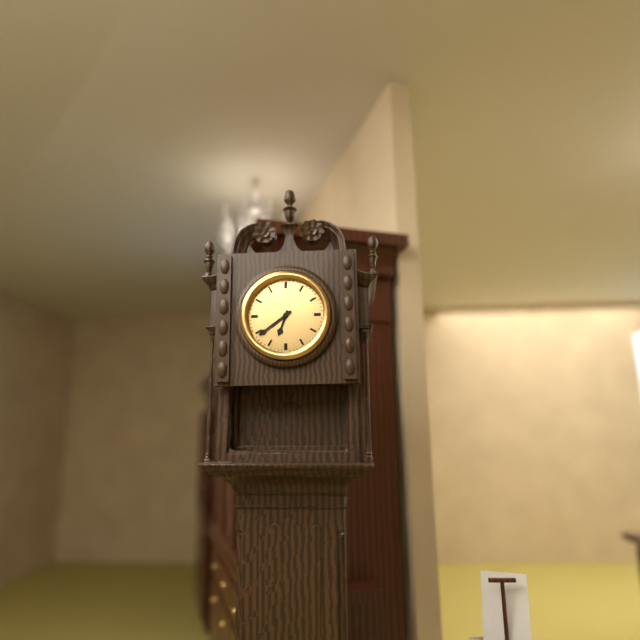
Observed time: 6:39
